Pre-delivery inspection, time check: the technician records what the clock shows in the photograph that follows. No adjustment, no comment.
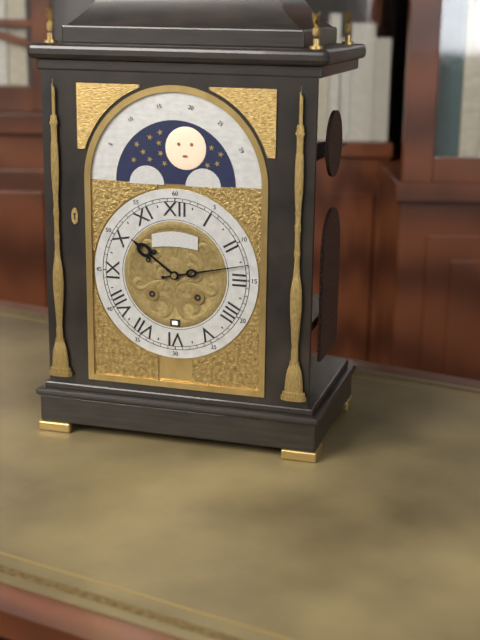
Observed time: 10:13
